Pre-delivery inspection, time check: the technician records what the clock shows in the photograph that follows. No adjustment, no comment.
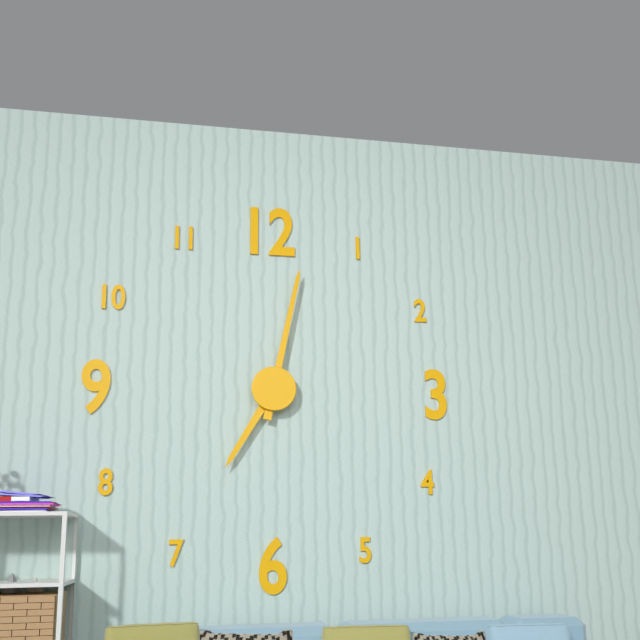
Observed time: 7:02
